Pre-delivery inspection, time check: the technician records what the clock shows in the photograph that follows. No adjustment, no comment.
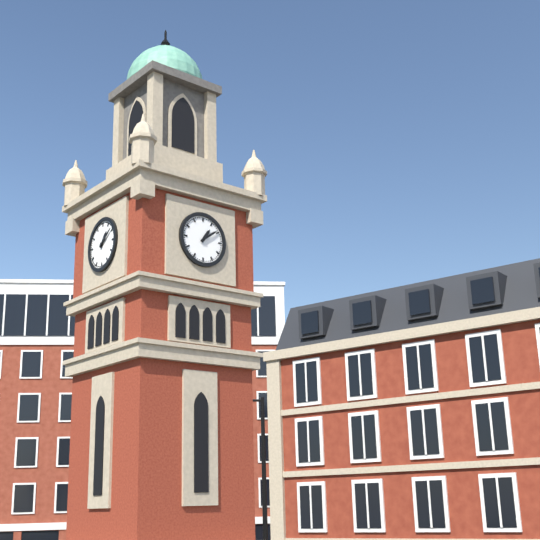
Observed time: 1:09
